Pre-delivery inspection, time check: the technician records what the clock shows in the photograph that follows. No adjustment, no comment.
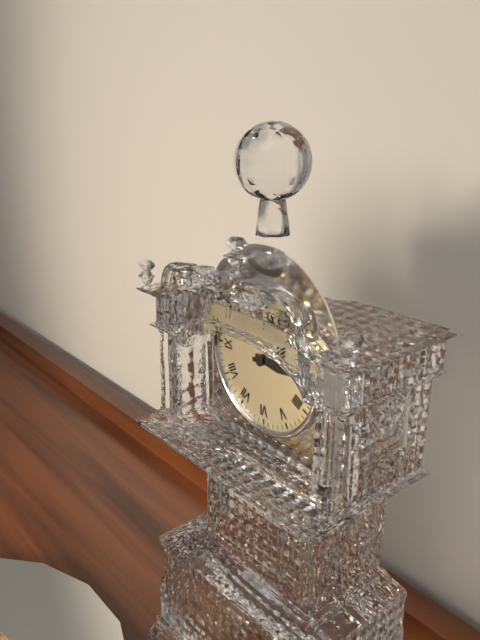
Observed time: 3:13
